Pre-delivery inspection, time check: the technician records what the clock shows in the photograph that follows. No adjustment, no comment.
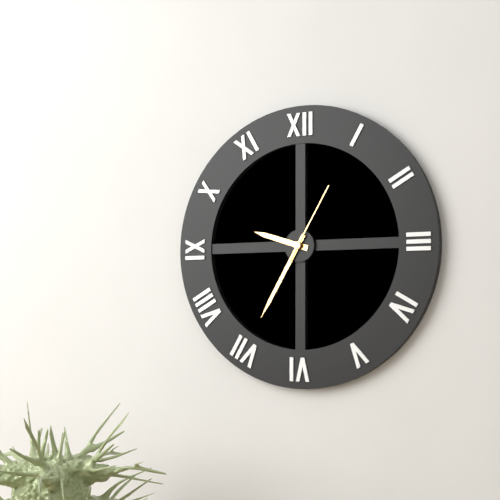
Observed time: 9:35:05
